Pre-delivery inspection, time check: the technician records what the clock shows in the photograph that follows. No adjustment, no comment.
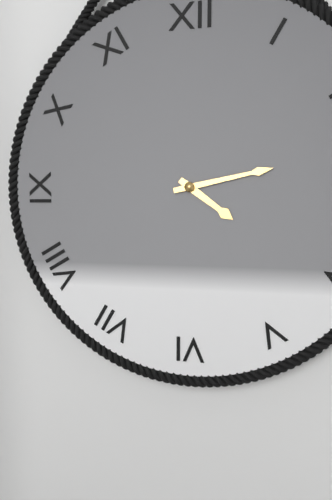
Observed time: 4:13
